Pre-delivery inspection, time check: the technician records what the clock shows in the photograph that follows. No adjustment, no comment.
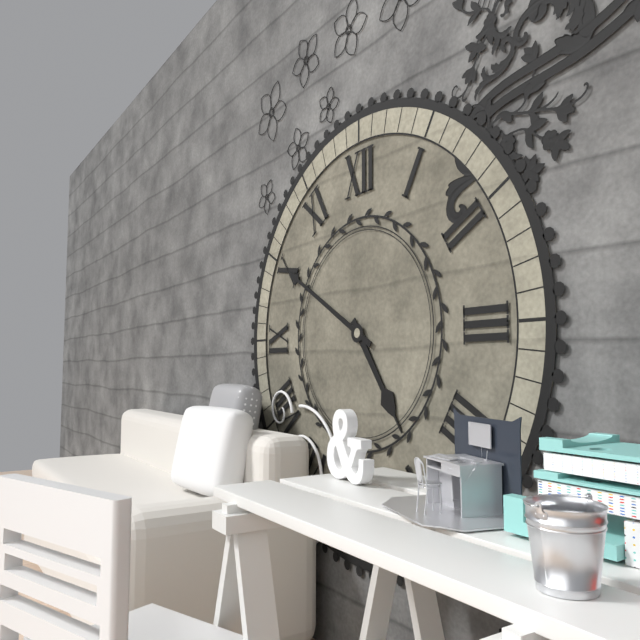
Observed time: 4:50
